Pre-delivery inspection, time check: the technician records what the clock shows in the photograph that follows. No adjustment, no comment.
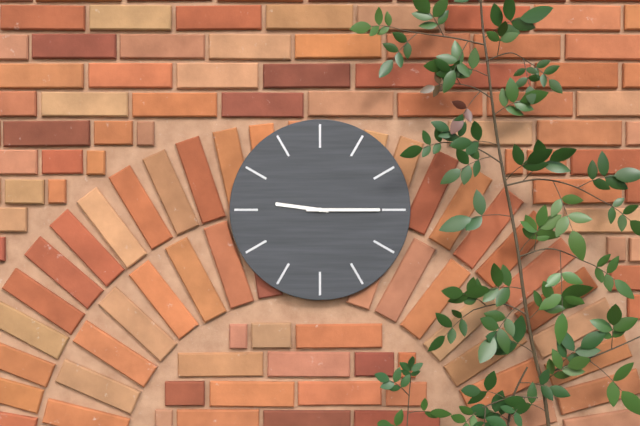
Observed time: 9:15
